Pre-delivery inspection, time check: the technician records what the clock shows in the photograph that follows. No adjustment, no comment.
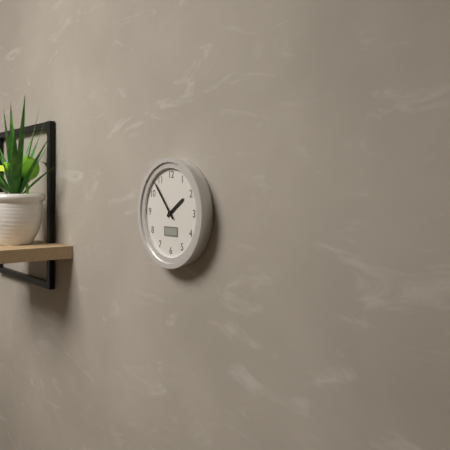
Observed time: 1:53
